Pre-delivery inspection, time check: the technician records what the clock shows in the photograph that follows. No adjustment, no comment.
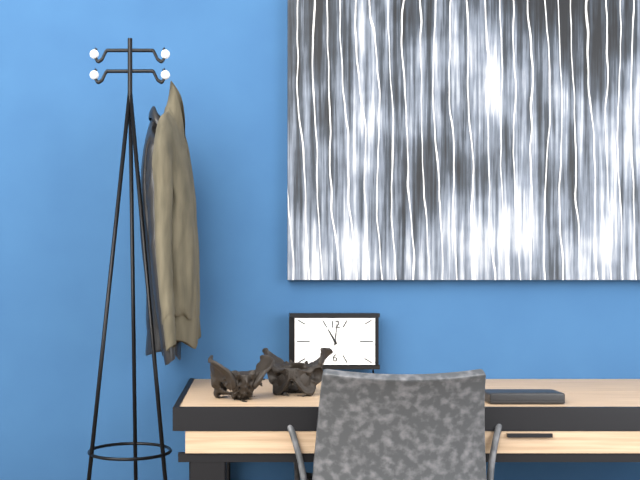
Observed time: 11:01
